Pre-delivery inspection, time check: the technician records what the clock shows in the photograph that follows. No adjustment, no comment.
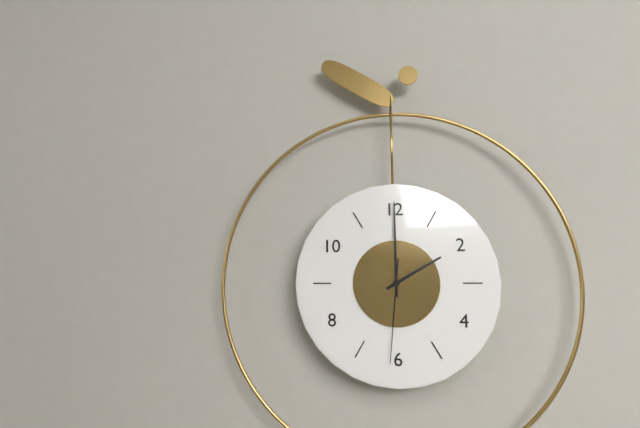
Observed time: 2:00:31
